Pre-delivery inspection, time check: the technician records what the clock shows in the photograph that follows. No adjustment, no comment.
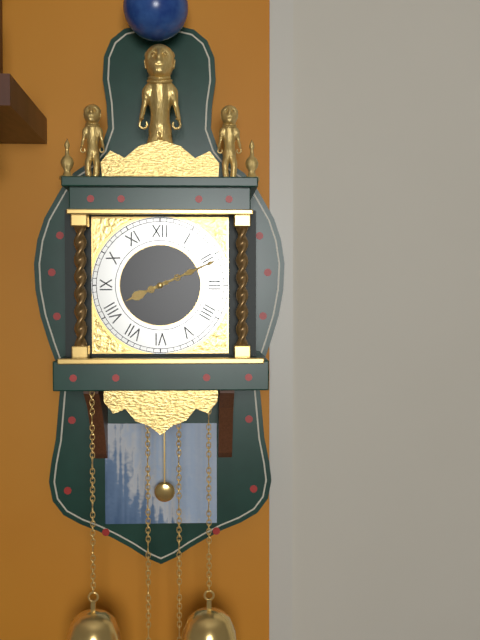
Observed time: 8:11
